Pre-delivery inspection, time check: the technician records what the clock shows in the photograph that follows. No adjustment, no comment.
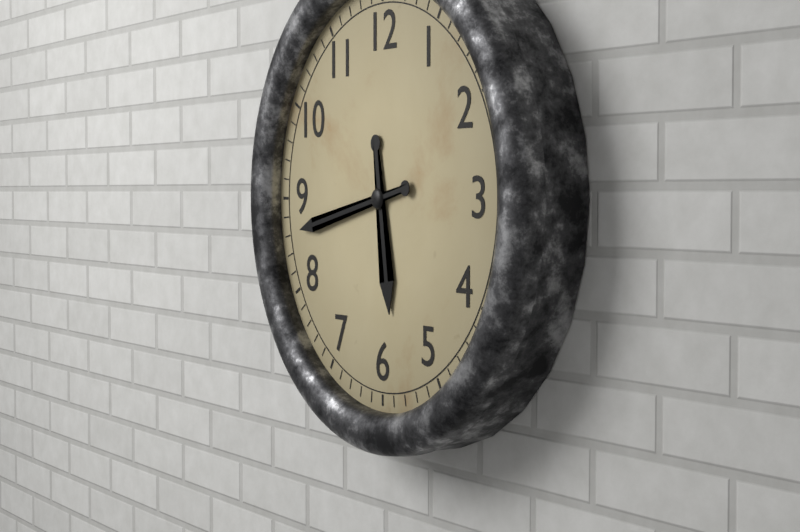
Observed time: 5:43
